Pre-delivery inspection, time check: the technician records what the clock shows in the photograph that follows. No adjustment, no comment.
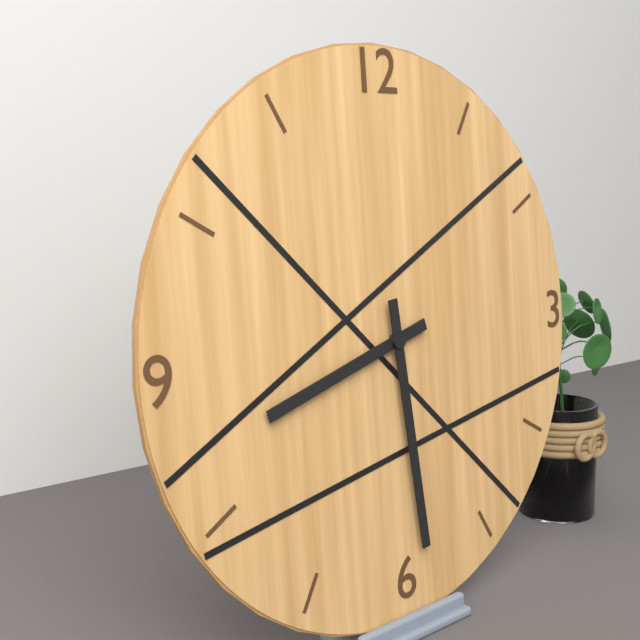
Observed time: 8:29
